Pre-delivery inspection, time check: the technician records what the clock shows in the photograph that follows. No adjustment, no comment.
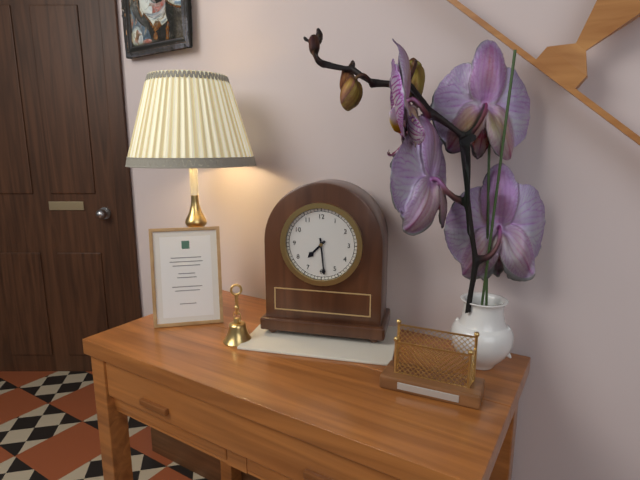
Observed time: 7:29
